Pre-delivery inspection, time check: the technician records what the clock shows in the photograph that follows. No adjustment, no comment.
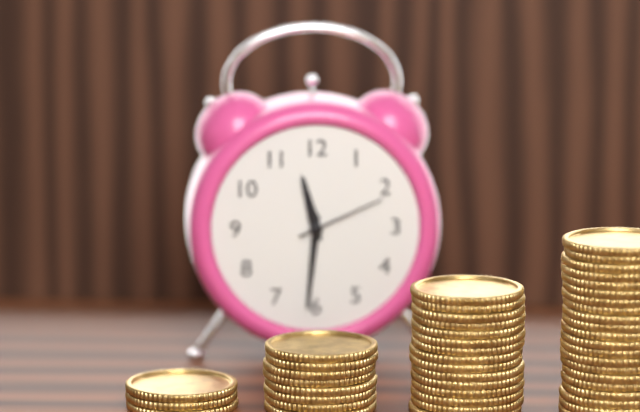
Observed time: 11:31:11
